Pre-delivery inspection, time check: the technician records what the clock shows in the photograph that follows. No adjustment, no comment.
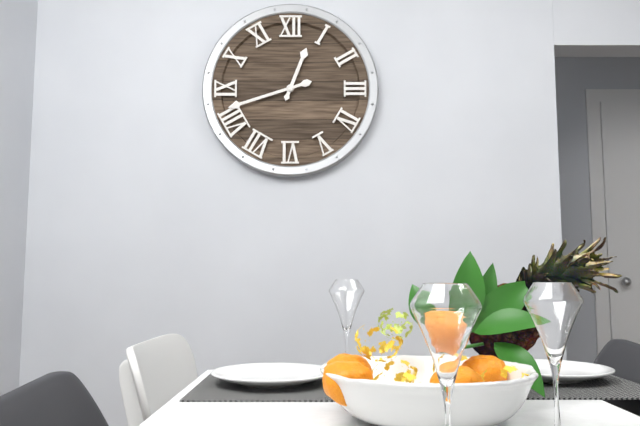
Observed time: 12:42
